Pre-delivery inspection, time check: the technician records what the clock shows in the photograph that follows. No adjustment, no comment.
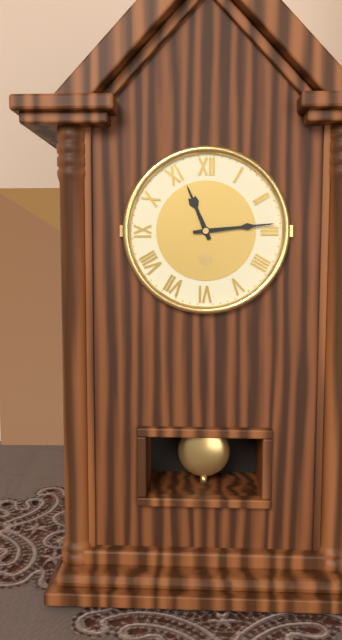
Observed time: 11:14
